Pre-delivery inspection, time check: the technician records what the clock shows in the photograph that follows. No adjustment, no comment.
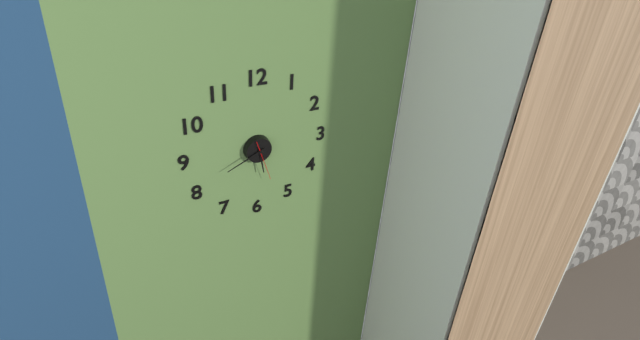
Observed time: 5:41
